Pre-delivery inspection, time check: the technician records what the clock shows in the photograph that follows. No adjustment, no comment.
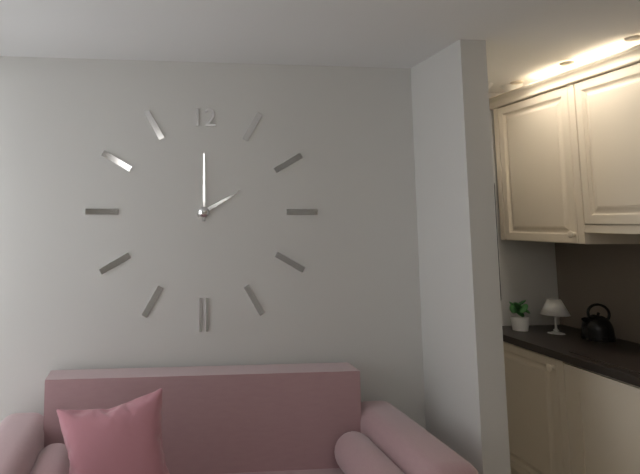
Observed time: 2:00
